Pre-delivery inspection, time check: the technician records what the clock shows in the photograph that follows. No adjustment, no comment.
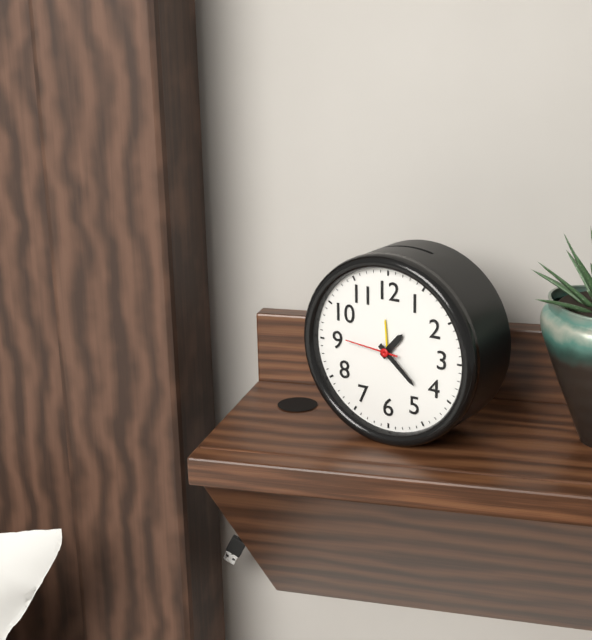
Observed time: 1:22:46
